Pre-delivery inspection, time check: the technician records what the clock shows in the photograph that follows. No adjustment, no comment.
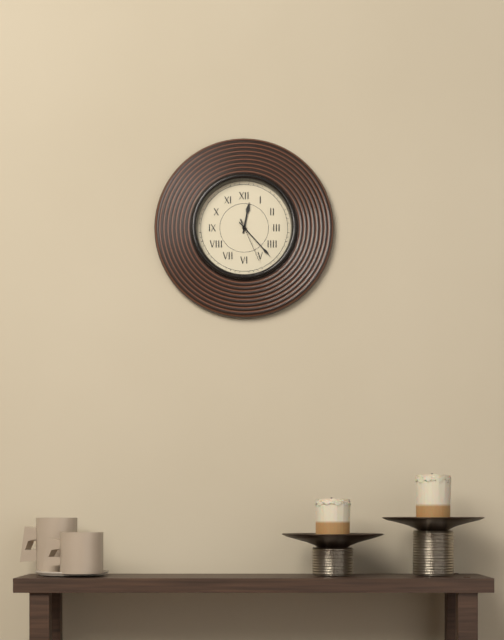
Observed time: 12:23
